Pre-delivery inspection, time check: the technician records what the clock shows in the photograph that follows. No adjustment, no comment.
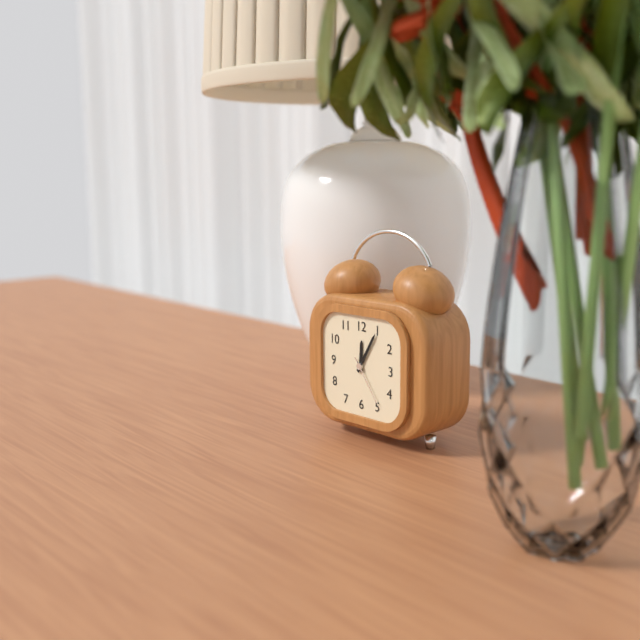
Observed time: 12:05:24
